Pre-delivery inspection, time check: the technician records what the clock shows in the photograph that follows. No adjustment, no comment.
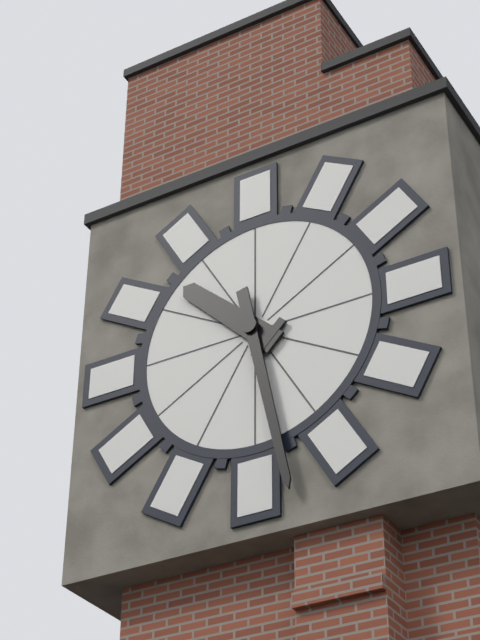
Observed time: 10:28
